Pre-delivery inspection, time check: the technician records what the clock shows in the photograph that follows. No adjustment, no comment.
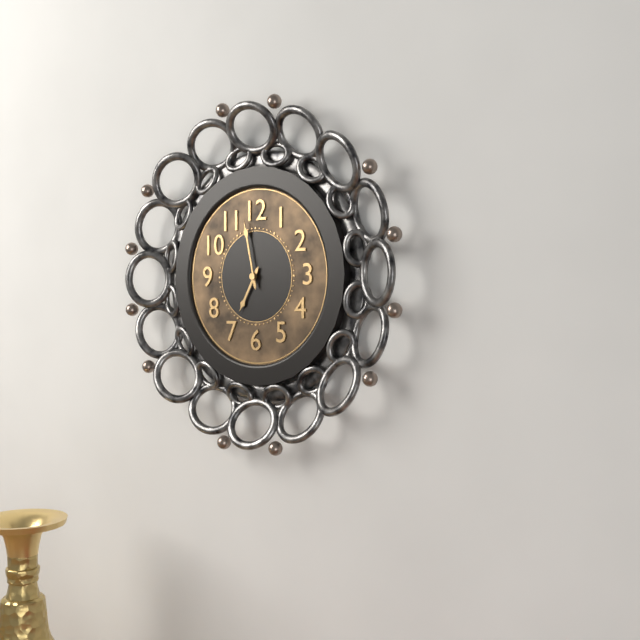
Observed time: 6:58
